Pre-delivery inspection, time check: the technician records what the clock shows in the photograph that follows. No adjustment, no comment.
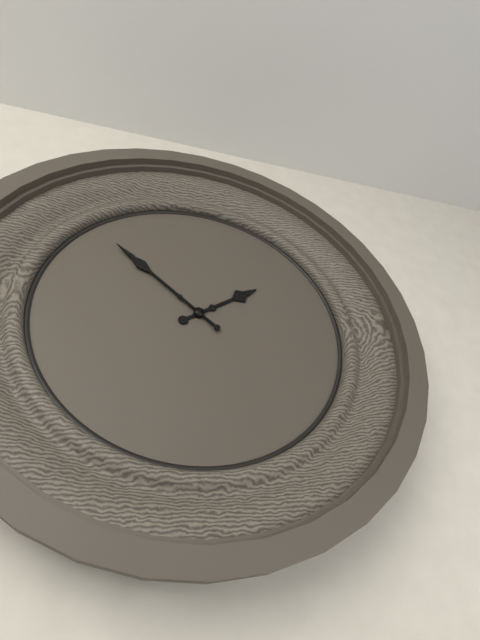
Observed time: 1:52
